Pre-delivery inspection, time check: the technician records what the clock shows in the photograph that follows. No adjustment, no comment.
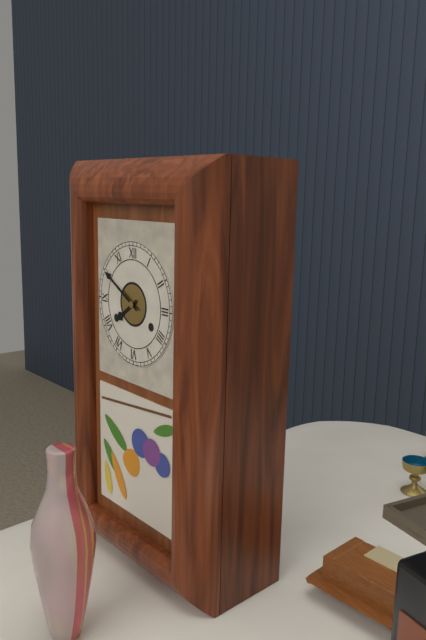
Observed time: 7:50
